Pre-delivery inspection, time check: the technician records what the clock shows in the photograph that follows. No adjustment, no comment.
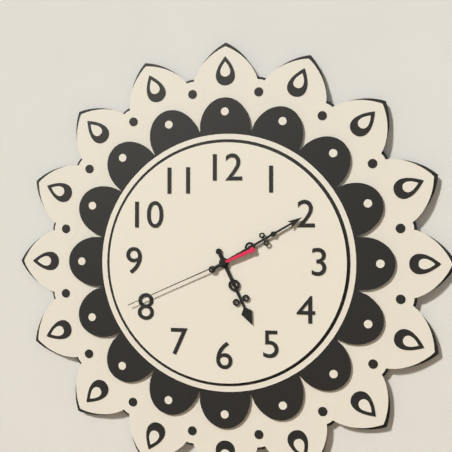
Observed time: 5:10:41
